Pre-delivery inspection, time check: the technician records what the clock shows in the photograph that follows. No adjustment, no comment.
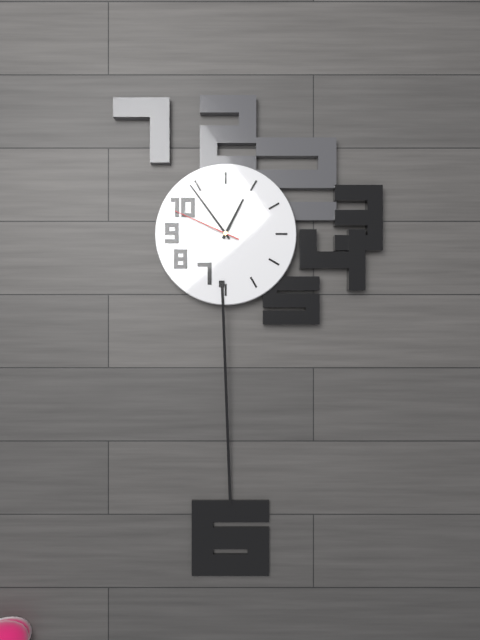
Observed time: 12:54:49
